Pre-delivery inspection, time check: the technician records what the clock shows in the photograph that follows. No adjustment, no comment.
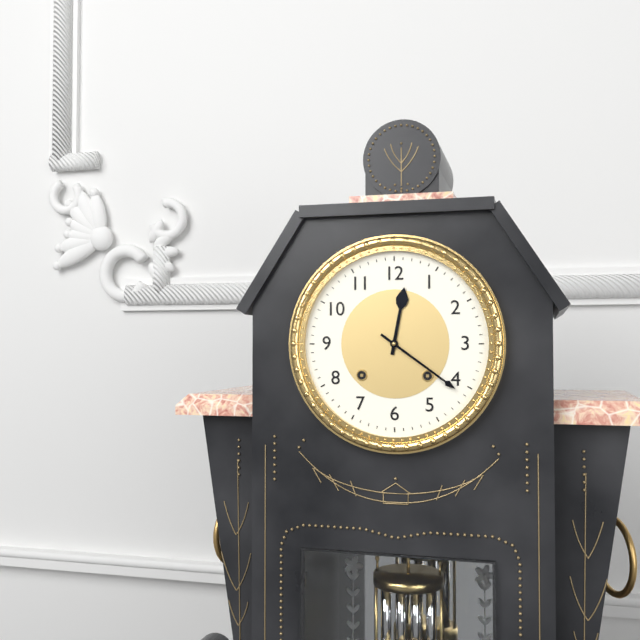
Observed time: 12:21
